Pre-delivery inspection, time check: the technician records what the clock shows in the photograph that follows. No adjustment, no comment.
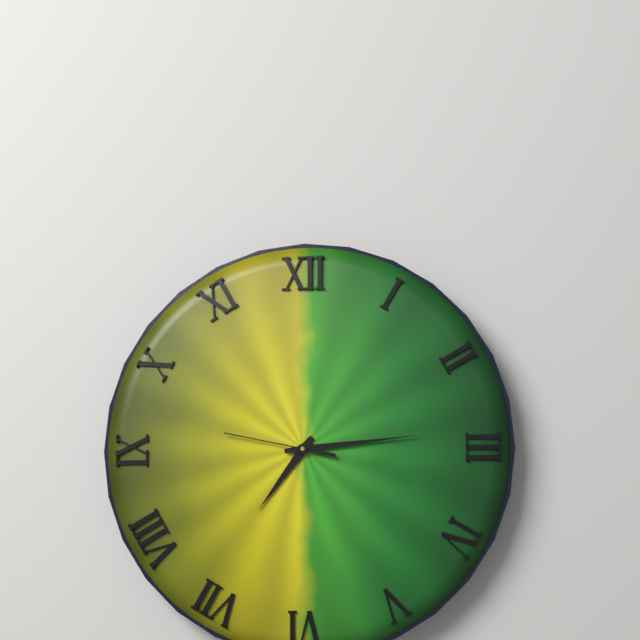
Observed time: 7:14:47
